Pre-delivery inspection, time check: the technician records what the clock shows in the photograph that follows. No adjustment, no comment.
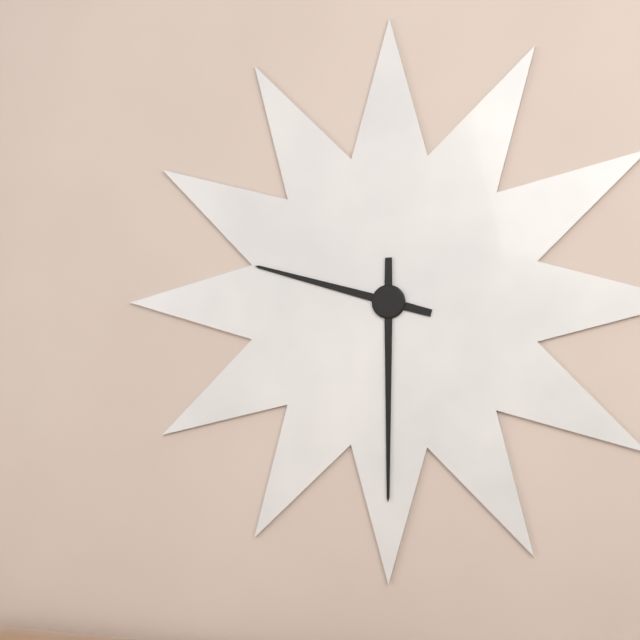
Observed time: 9:30
